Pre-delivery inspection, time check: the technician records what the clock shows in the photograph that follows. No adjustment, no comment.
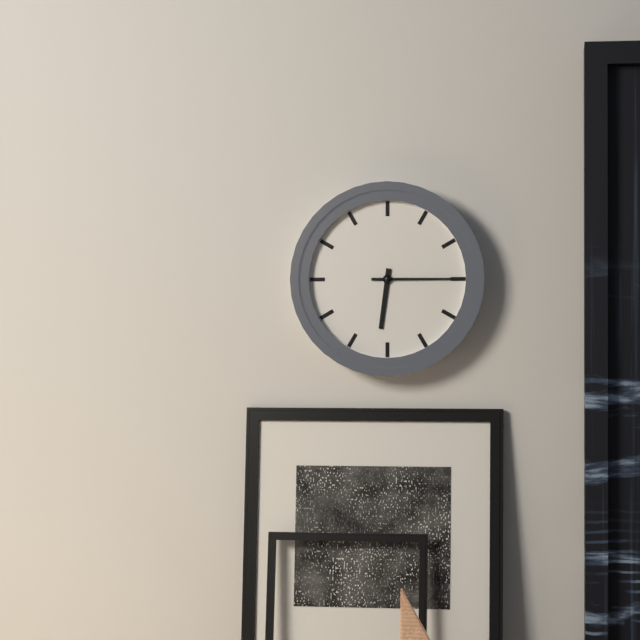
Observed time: 6:15
